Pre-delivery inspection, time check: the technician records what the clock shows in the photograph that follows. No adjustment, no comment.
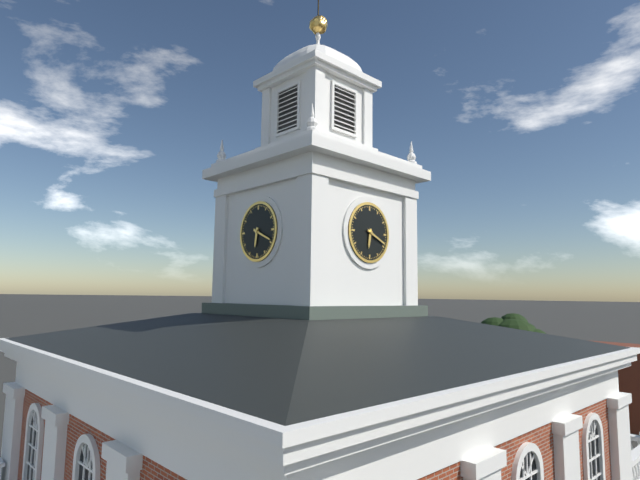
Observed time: 6:19
